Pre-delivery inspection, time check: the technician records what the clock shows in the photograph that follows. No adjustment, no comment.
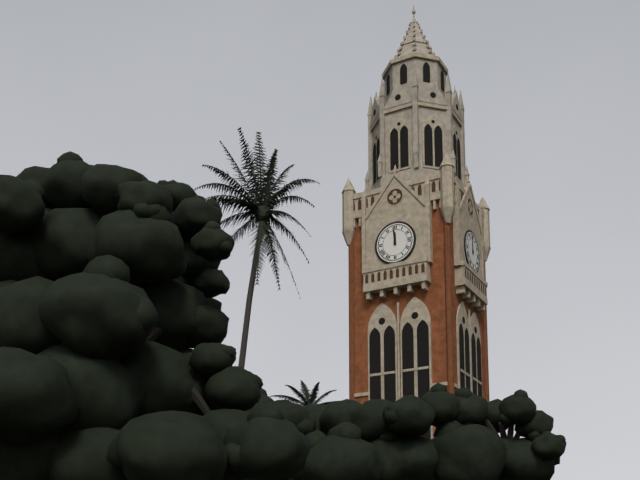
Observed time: 11:59
